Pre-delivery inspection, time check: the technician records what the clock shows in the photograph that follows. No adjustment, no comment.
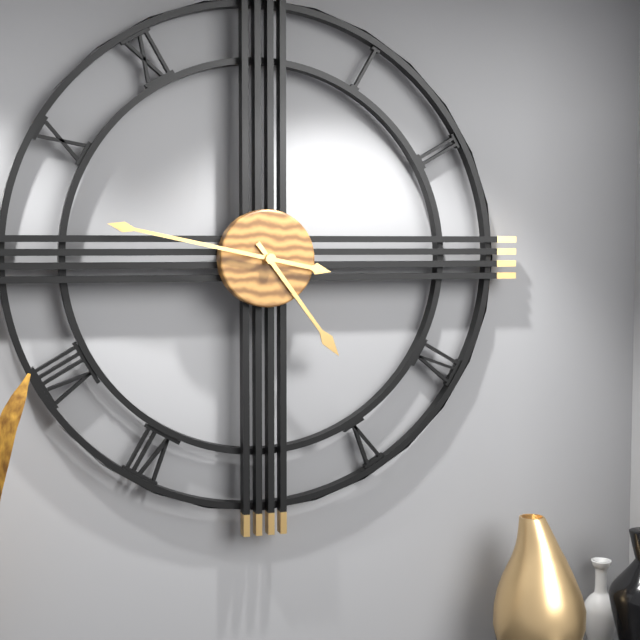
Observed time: 4:47
